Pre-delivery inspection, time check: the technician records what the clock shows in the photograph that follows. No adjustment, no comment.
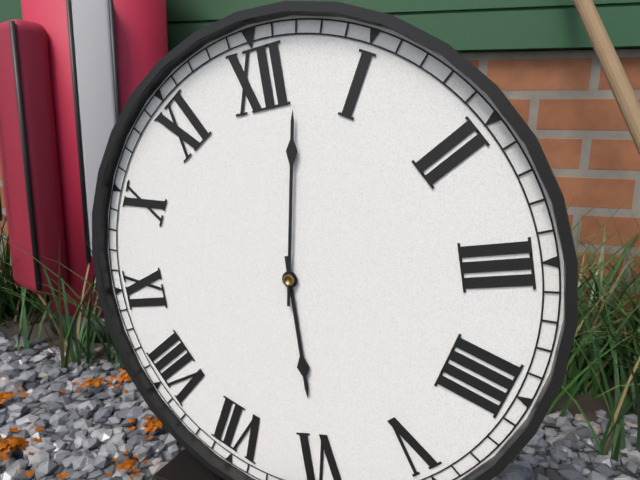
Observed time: 6:02
